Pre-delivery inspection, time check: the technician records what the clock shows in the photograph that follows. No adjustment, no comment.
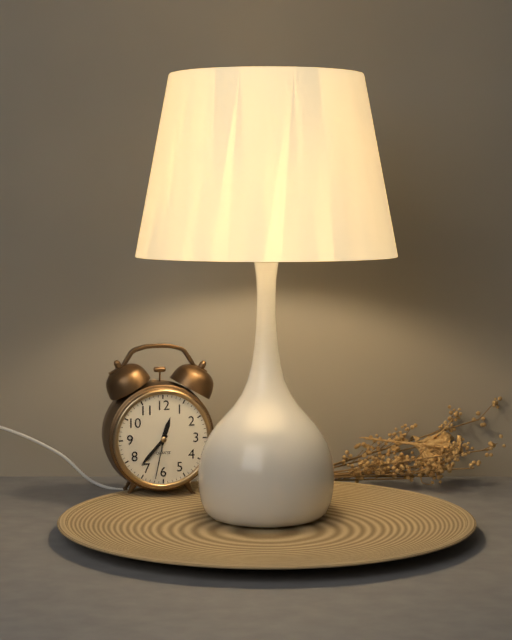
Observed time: 12:37:32
